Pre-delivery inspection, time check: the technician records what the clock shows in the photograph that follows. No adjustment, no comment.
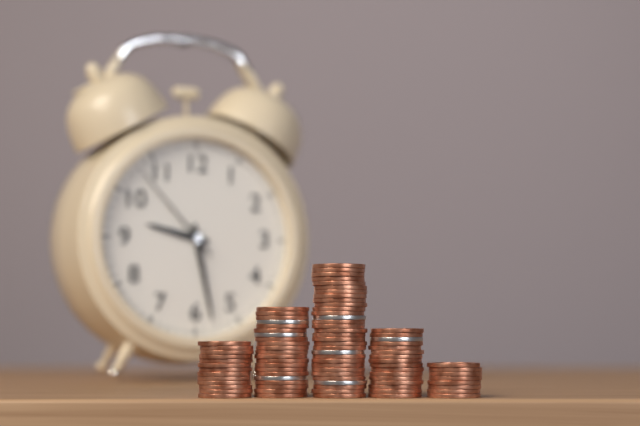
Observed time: 9:28:53
